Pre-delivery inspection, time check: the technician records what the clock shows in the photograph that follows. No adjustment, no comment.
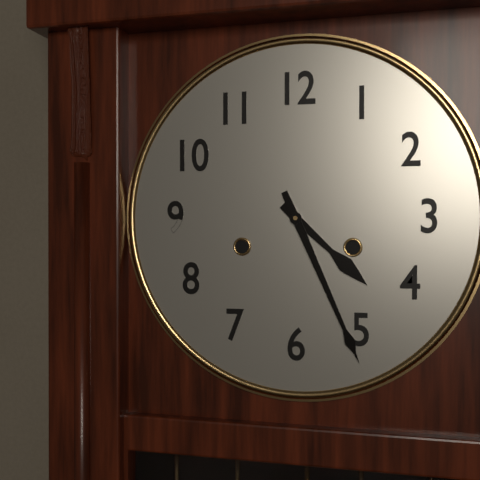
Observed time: 4:26
